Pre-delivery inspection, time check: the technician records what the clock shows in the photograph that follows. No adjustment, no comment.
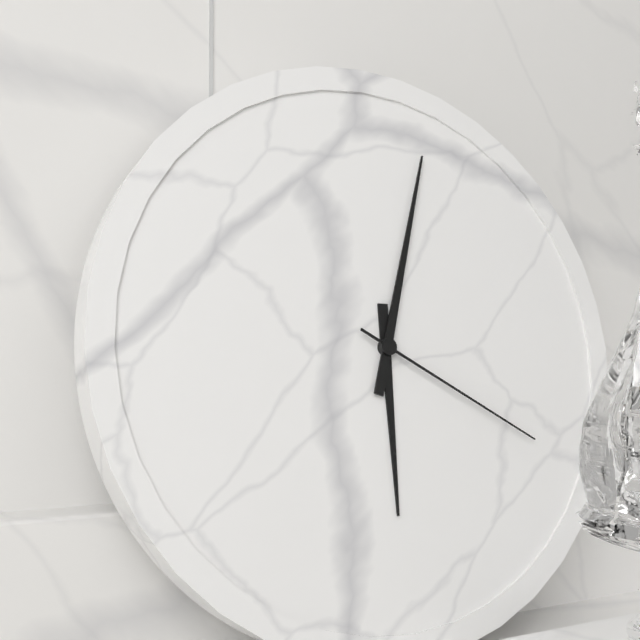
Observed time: 6:03:20
